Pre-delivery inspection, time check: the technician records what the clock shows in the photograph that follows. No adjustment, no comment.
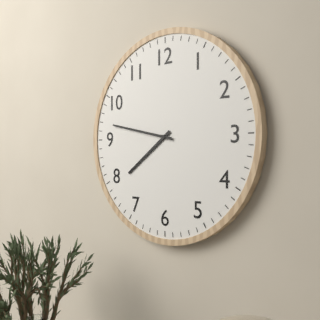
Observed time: 7:47
